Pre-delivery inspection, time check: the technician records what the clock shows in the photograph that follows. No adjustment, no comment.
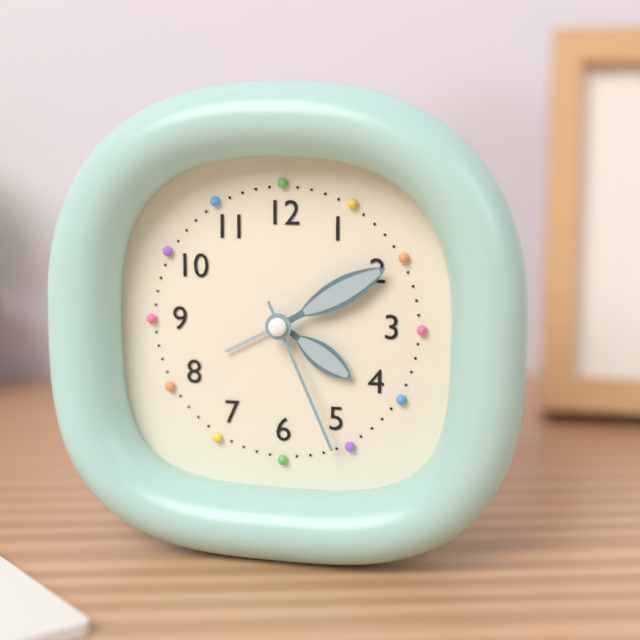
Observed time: 4:10:26
